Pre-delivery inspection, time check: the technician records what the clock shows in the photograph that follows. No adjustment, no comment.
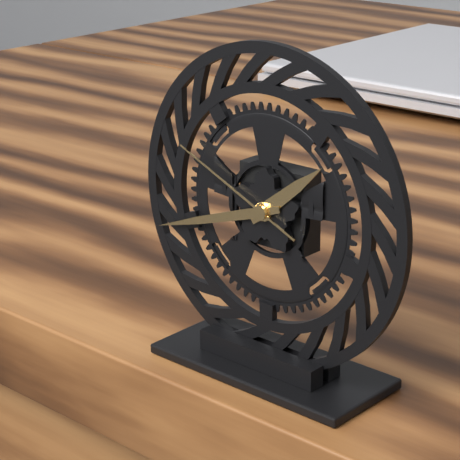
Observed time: 1:42:49
